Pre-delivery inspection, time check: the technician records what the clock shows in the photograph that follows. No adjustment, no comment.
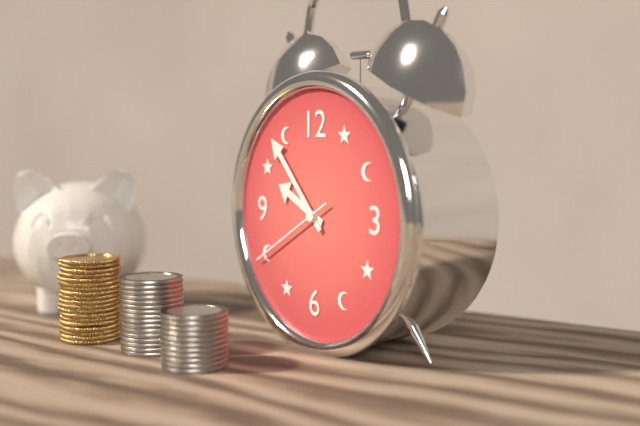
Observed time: 9:53:40
